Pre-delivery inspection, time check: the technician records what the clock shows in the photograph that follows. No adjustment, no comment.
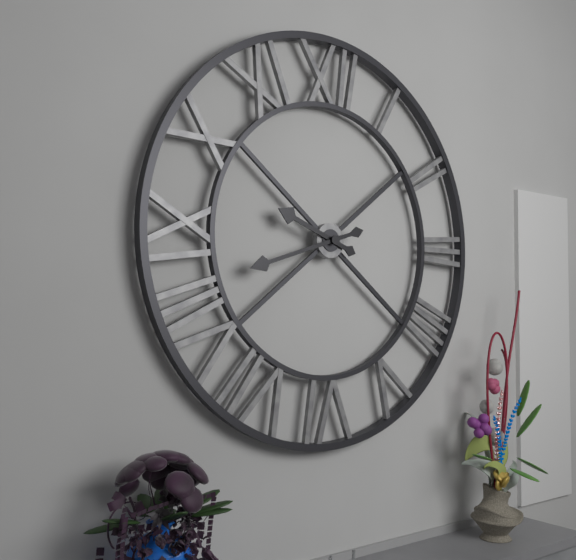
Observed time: 9:42
